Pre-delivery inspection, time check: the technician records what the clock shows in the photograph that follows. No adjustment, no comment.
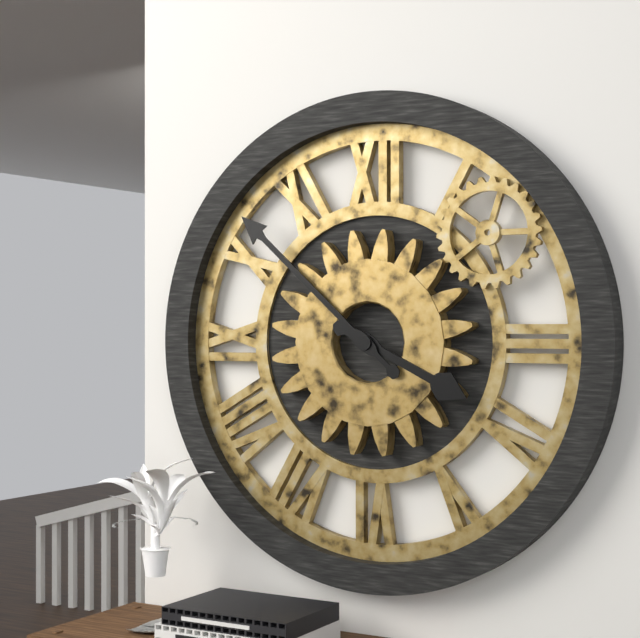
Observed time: 3:52
